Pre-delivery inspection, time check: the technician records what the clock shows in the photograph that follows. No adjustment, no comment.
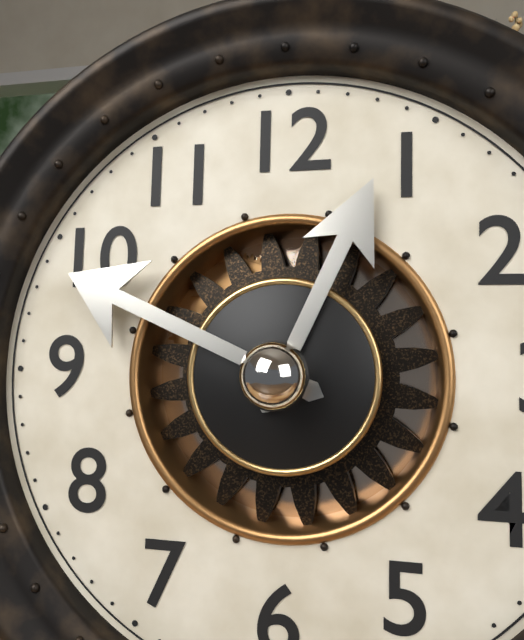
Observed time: 12:49
